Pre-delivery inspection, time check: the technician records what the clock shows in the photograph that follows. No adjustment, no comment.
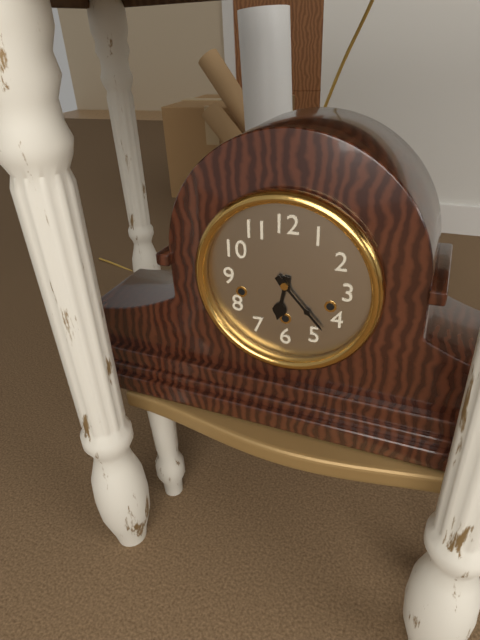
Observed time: 6:23
